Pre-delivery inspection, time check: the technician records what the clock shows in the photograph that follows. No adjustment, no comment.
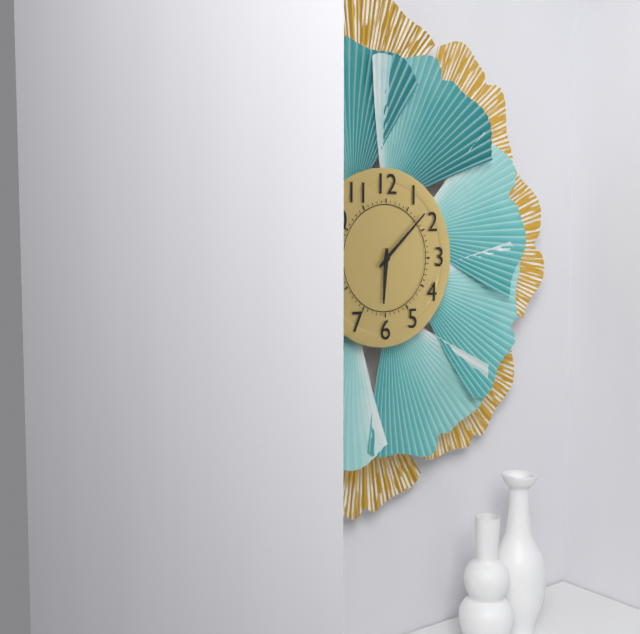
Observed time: 6:08
